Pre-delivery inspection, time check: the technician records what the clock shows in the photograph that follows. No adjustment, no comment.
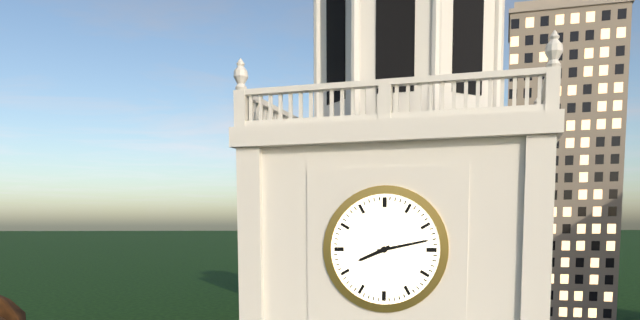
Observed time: 8:13
